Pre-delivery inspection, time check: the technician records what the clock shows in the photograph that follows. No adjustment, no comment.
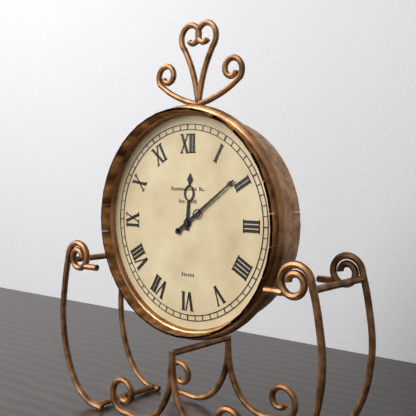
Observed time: 12:09
